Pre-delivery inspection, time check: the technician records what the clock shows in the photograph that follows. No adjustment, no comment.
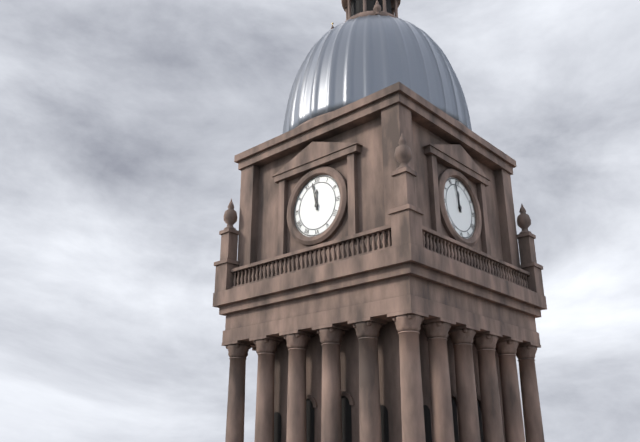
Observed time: 11:58
